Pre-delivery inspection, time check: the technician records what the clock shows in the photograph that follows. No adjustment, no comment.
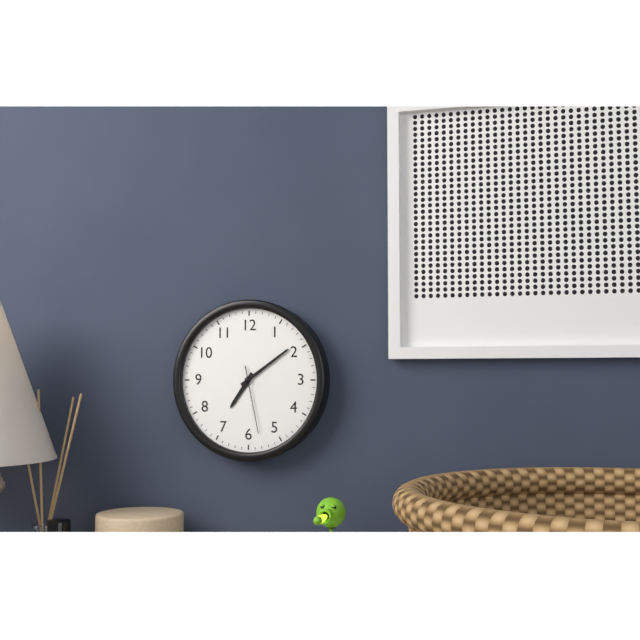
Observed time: 7:09:28
